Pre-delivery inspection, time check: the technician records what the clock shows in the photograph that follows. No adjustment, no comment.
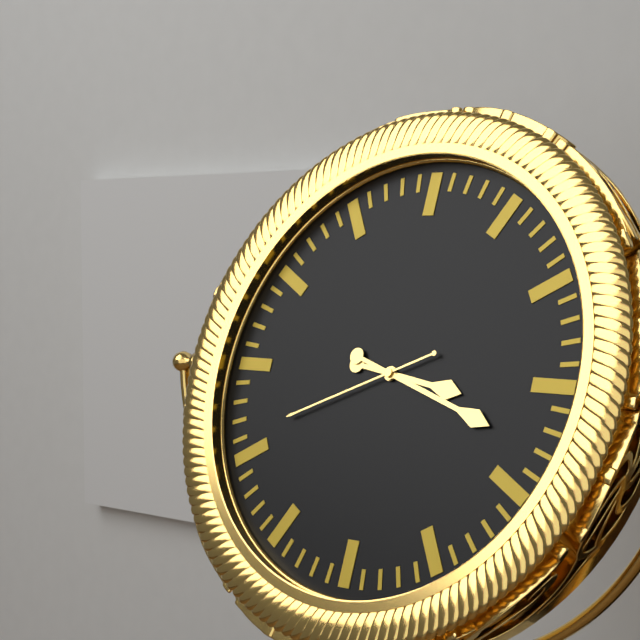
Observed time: 3:18:41
